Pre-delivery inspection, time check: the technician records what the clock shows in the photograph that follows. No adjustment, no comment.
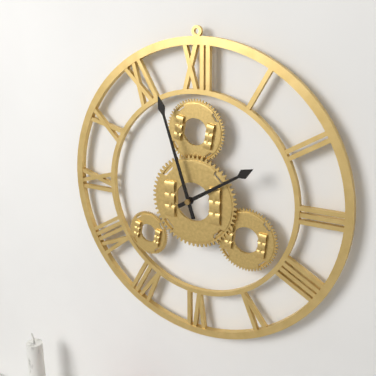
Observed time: 1:57
